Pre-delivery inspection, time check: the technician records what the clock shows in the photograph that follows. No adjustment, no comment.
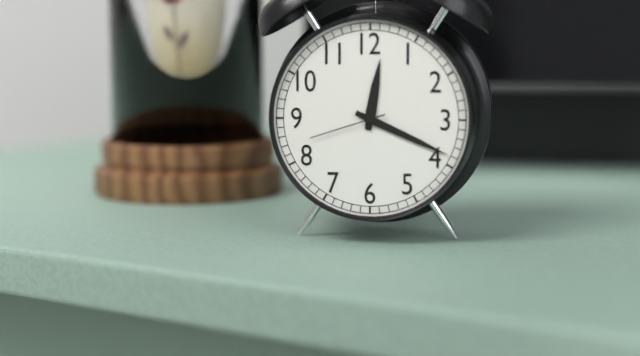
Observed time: 12:19:42
